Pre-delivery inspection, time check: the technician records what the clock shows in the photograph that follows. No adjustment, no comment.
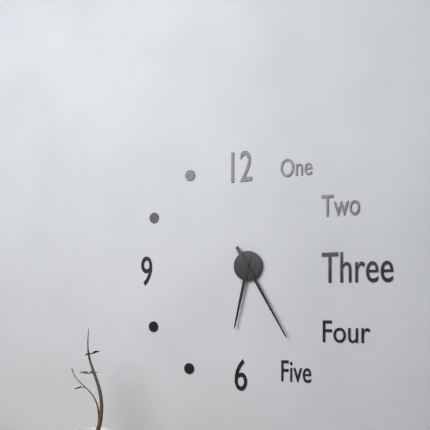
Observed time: 6:25
